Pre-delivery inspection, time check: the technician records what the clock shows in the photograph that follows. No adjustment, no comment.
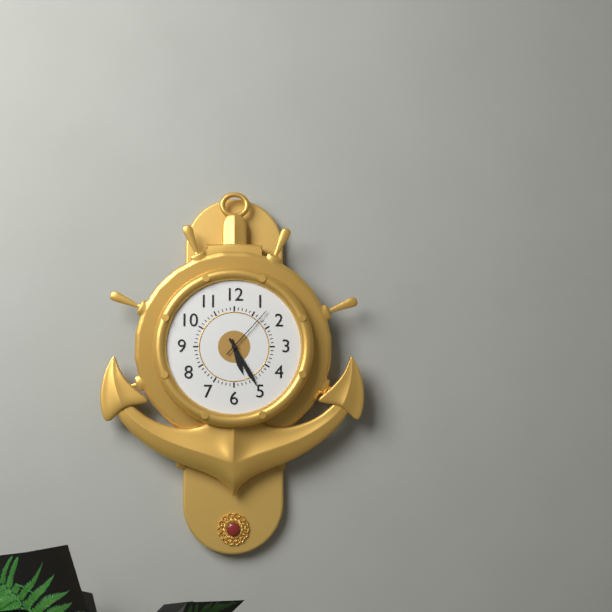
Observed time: 5:25:07
